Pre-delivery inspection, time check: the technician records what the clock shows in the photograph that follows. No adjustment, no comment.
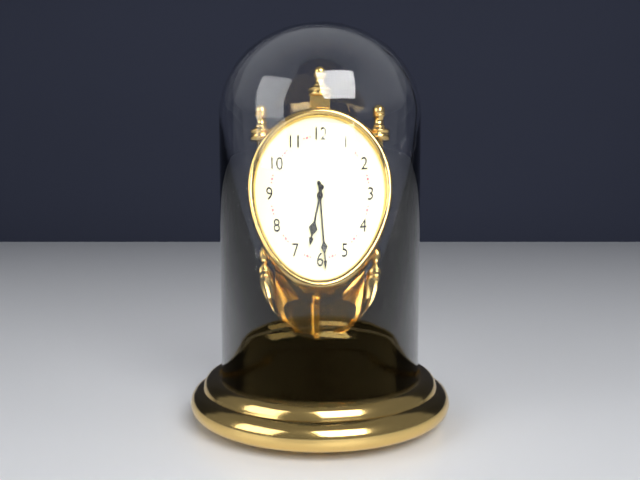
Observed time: 6:29
